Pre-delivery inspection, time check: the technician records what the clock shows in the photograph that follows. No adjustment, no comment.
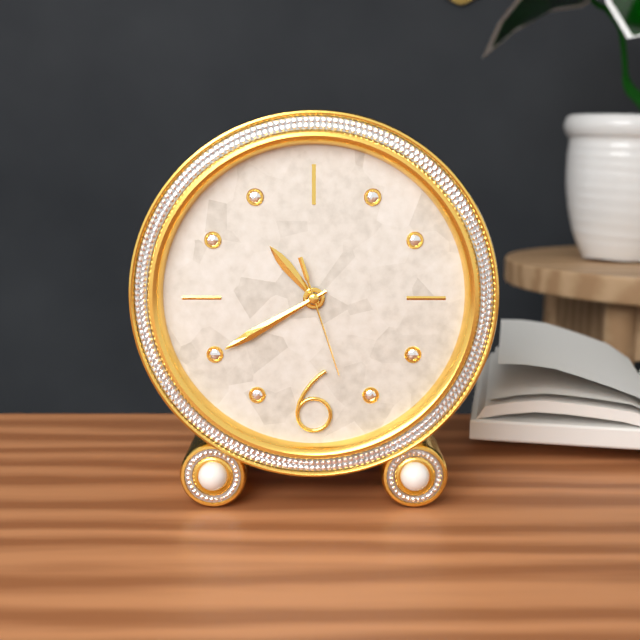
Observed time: 10:40:27
